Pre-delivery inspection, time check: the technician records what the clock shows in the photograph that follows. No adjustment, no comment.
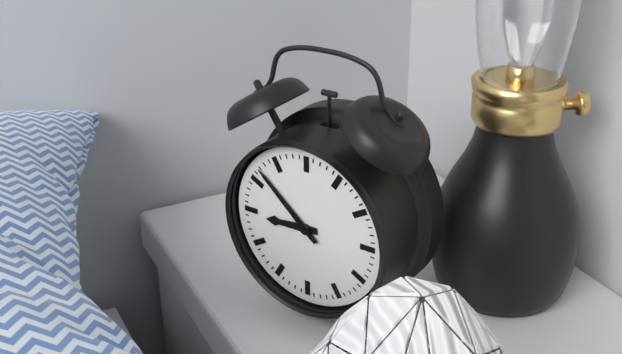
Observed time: 8:52
